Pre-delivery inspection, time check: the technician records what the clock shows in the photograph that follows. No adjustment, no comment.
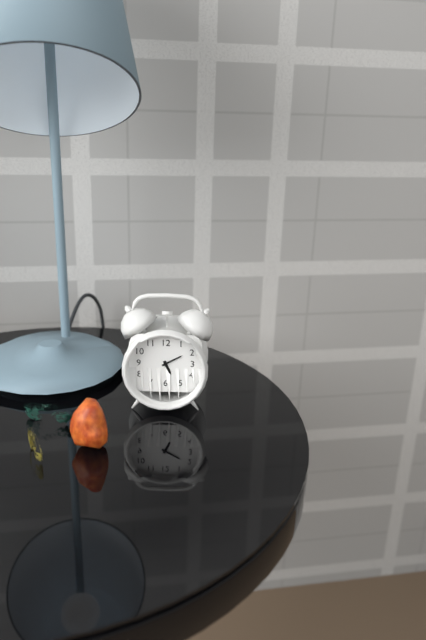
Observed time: 5:10
